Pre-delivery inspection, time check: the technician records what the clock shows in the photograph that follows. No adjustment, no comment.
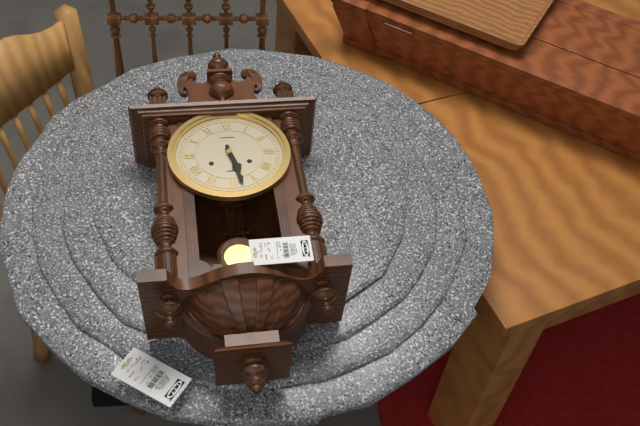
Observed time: 5:28
